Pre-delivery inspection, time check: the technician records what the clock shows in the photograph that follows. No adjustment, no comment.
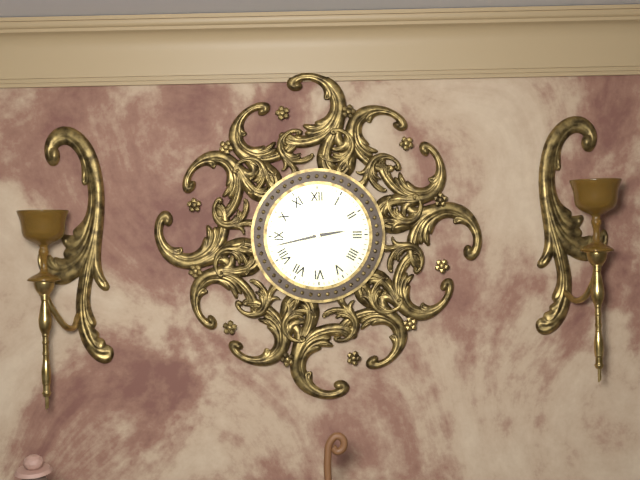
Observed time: 2:43
